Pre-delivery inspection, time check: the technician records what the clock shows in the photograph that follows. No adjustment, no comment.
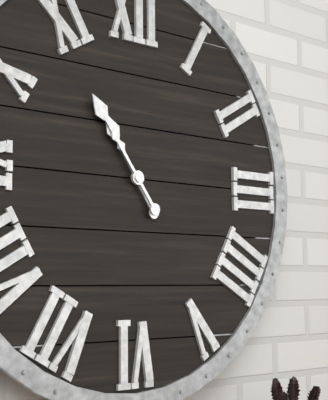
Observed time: 10:54
